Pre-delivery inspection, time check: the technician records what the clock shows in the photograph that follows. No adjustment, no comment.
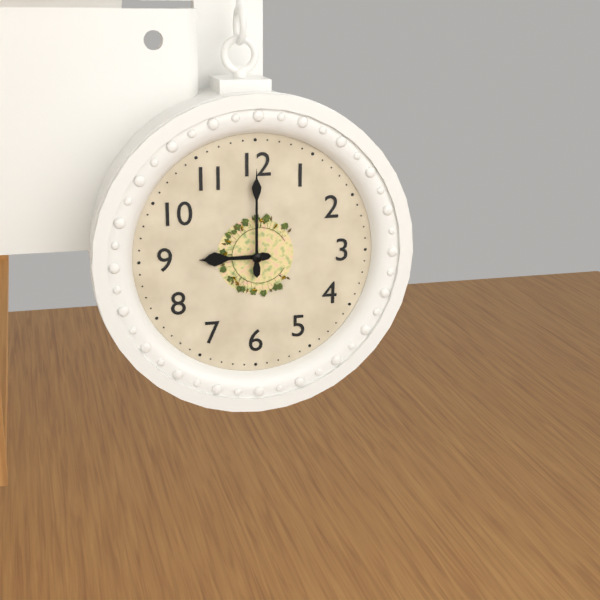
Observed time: 9:00
